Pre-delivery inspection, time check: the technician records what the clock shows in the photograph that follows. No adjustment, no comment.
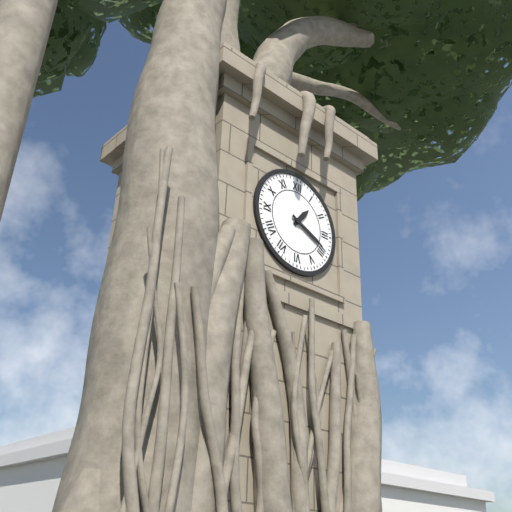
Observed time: 1:19
